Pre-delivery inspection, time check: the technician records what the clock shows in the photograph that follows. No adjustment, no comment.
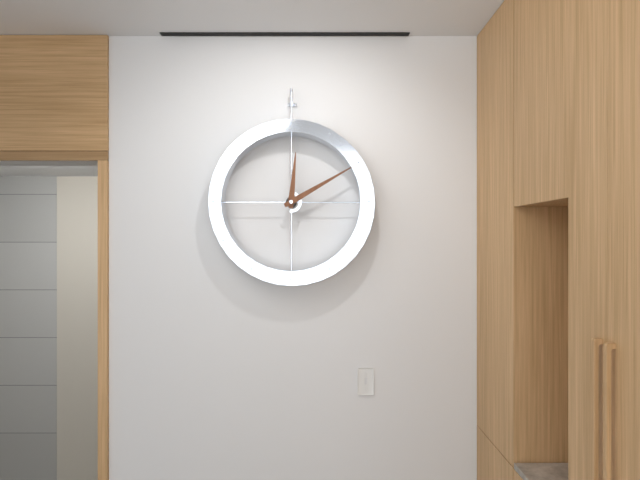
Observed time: 12:10
